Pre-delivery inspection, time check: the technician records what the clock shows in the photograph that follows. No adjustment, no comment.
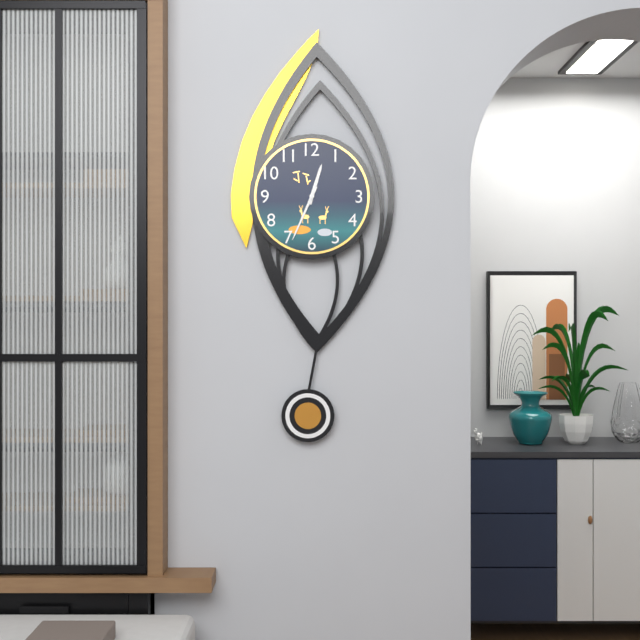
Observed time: 12:34
